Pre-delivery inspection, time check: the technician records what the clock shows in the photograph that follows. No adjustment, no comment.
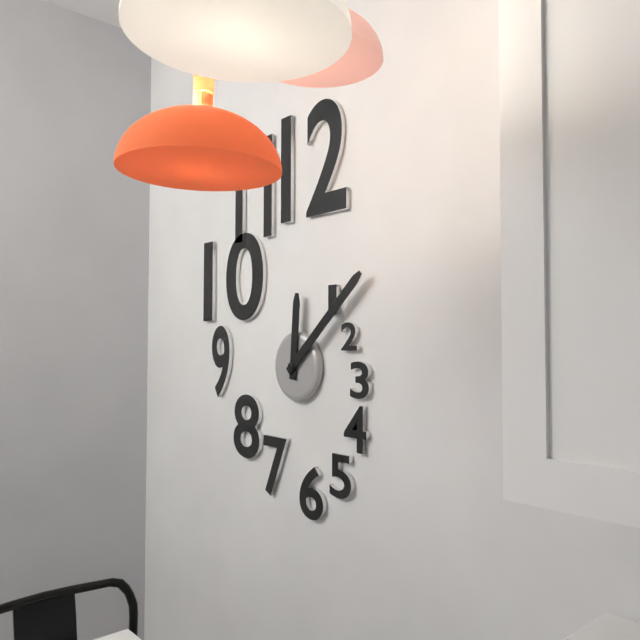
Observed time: 12:08
